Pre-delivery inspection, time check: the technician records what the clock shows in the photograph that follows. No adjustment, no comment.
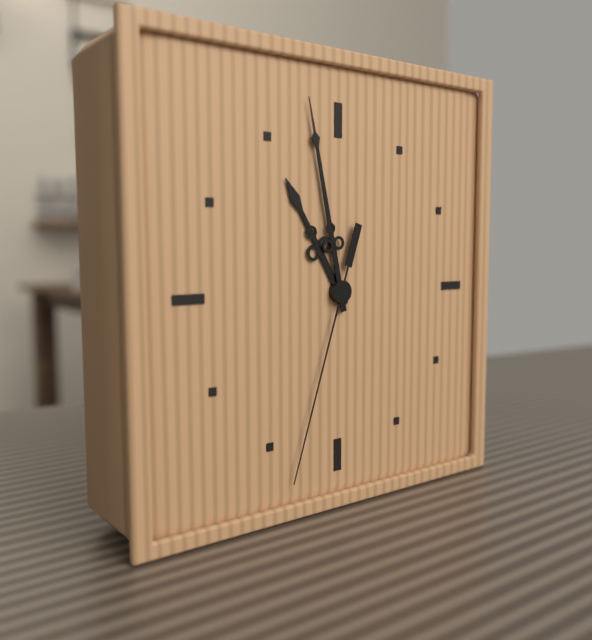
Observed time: 10:58:33
